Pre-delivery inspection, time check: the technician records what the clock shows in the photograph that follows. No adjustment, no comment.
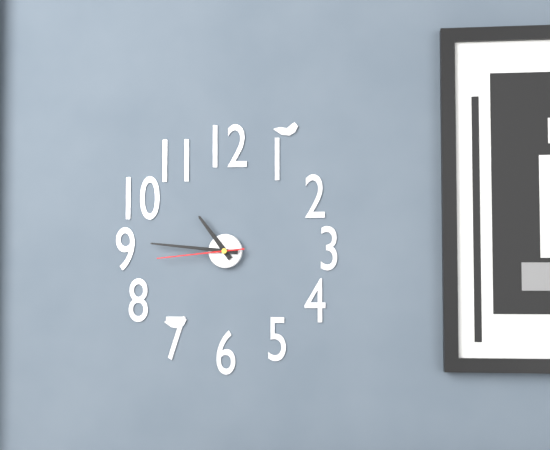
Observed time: 10:46:44
